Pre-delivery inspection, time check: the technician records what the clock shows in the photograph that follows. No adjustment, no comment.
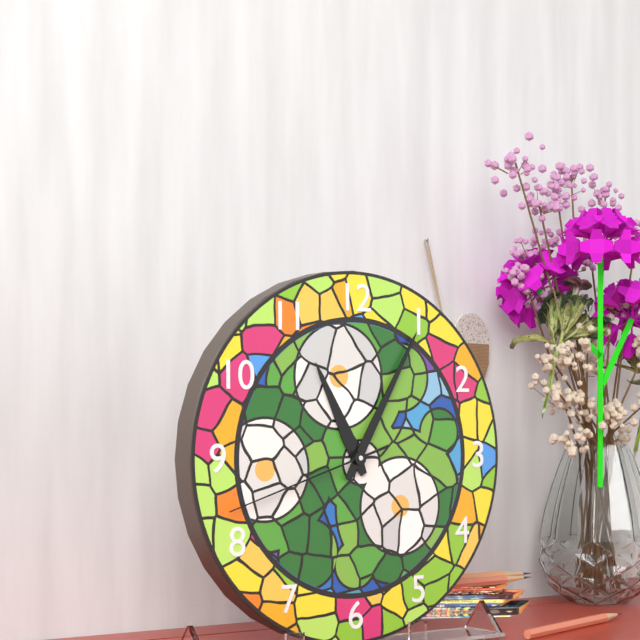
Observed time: 11:05:42
